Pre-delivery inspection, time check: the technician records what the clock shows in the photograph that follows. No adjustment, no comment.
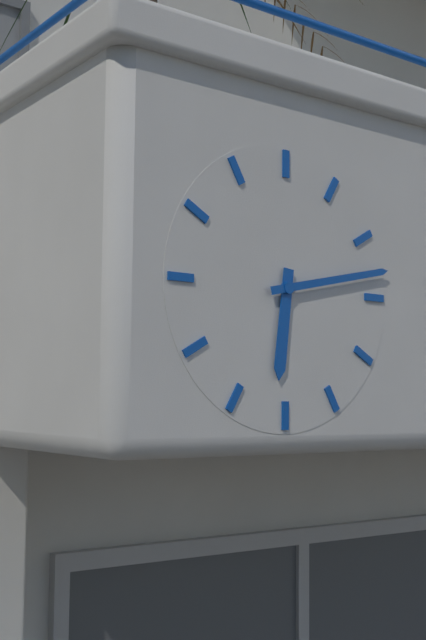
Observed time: 6:13
